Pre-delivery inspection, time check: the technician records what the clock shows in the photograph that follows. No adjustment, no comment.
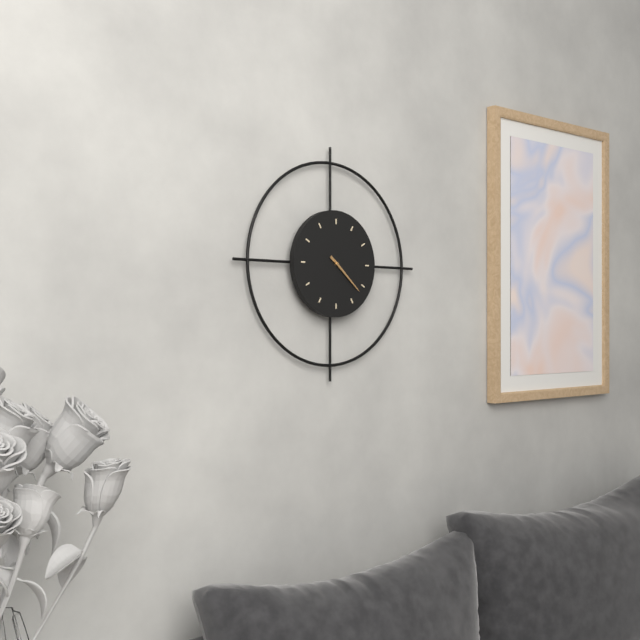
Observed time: 4:22
